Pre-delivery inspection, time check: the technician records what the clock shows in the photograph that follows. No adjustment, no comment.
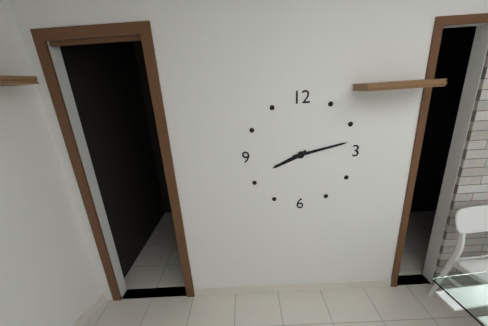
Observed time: 8:13
